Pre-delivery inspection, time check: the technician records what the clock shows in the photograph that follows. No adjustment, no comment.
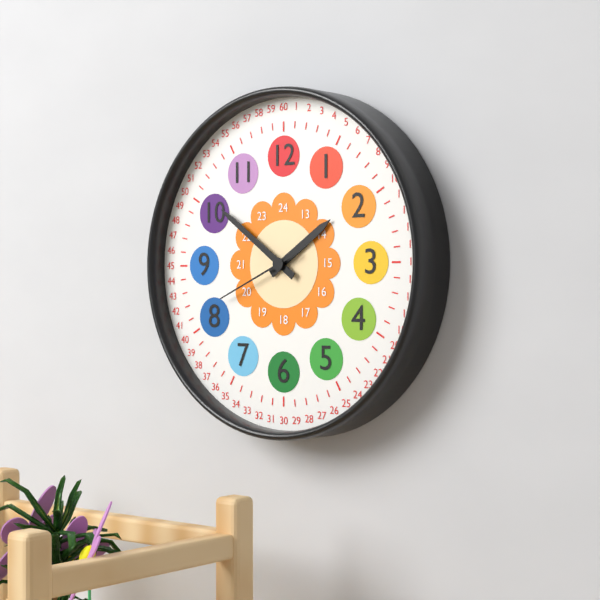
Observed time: 1:51:41
